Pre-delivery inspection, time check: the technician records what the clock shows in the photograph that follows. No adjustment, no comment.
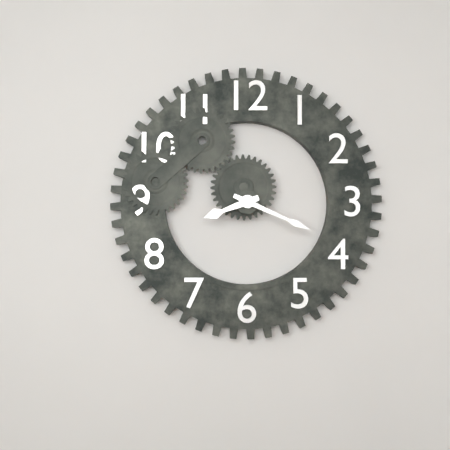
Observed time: 8:19
